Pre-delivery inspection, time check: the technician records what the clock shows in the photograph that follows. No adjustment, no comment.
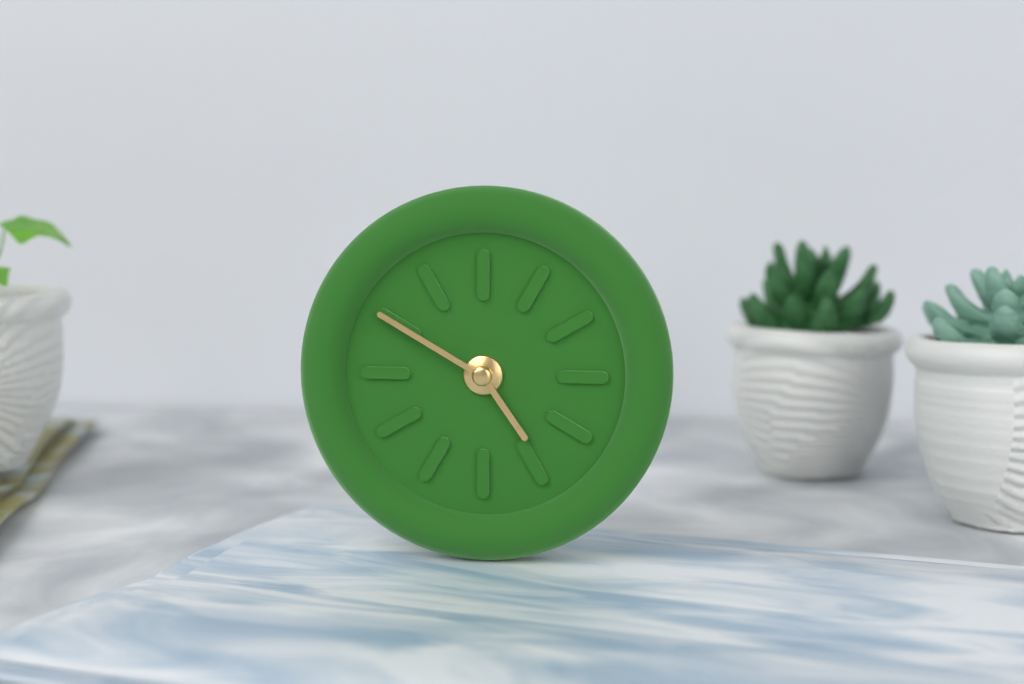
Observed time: 4:50
